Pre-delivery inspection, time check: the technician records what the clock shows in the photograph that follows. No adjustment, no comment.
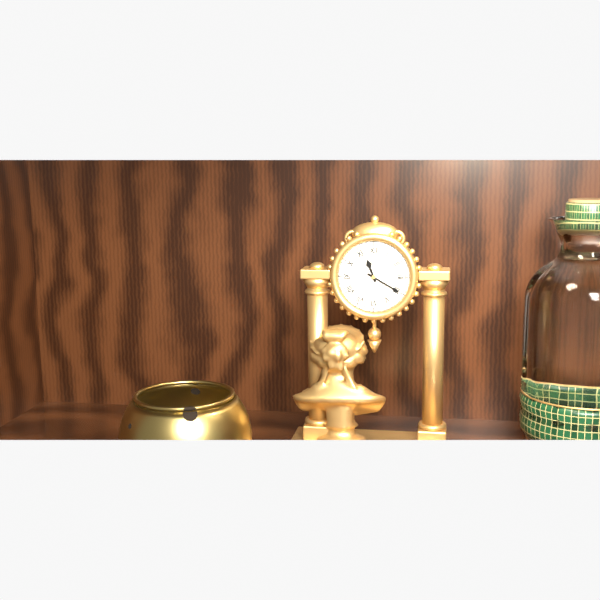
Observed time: 11:20
